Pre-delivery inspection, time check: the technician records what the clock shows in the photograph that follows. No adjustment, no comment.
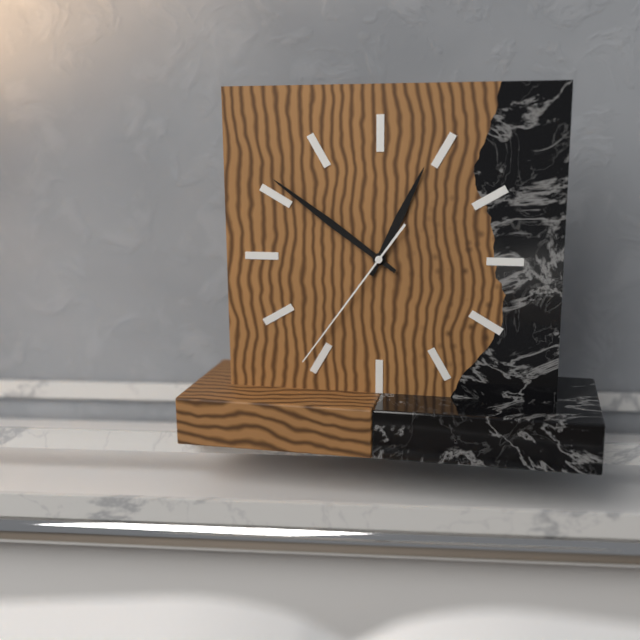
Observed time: 12:51:36
